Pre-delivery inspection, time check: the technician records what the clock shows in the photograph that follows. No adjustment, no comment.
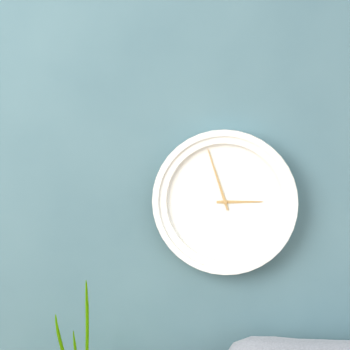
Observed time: 2:57
